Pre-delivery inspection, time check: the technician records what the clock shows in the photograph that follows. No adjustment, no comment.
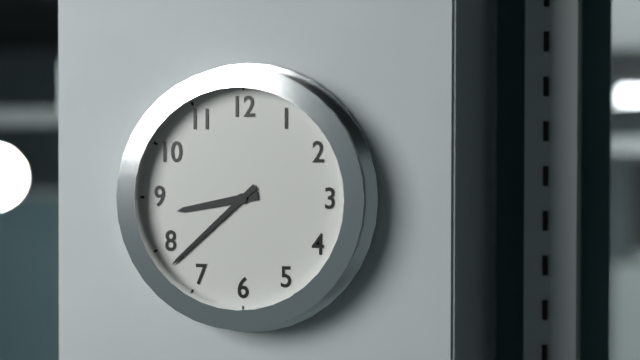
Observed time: 8:38
